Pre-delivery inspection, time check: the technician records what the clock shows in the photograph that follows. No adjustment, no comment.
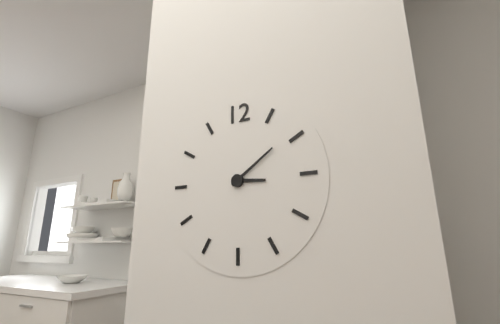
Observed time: 3:09
